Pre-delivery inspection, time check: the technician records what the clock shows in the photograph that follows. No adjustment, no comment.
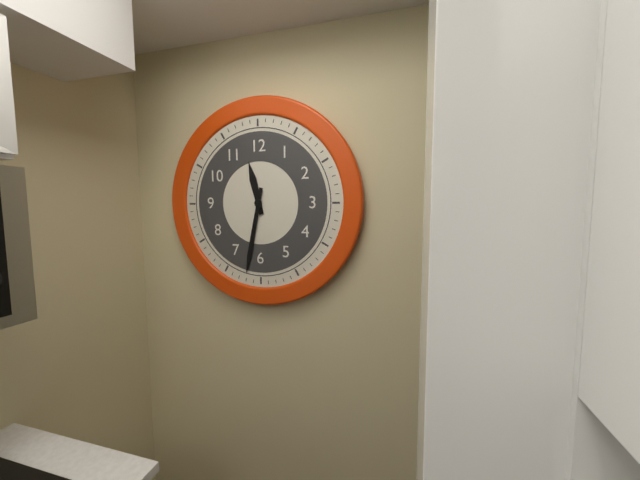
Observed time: 11:32
